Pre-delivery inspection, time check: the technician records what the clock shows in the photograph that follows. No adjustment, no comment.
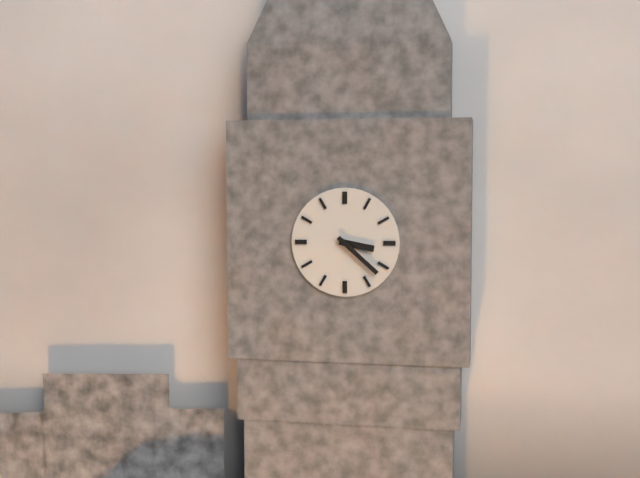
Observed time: 3:22
